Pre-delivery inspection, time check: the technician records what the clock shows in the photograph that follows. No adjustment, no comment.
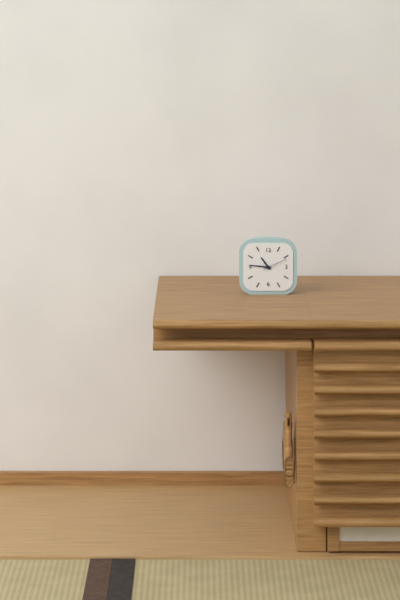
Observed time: 10:46
